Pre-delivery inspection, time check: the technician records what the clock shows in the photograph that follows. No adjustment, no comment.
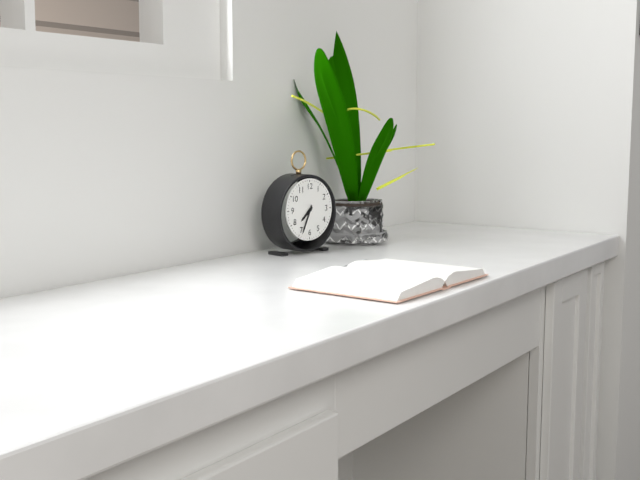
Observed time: 7:34
